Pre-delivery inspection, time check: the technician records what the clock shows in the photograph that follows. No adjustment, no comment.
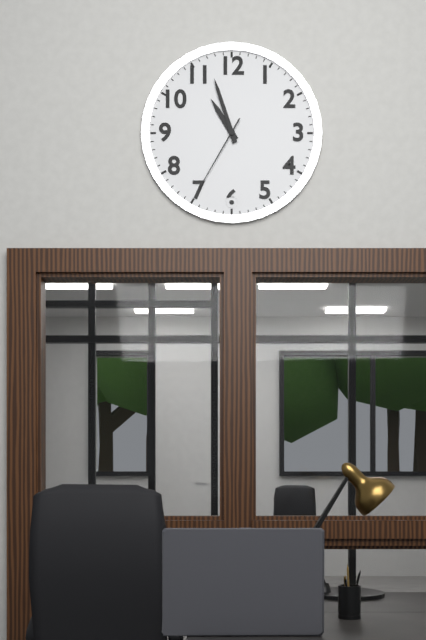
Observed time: 10:57:35
